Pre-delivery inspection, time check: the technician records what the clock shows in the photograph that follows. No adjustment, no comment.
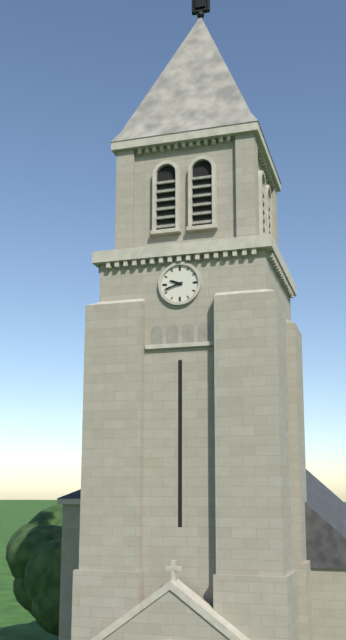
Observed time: 9:42
